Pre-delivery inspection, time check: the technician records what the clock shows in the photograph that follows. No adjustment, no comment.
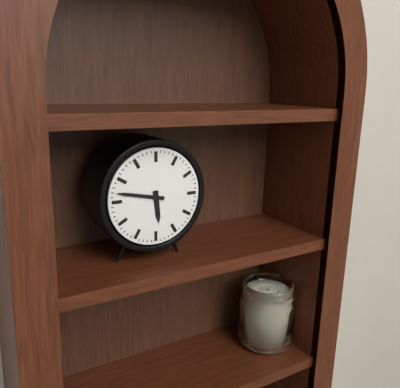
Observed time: 5:47
